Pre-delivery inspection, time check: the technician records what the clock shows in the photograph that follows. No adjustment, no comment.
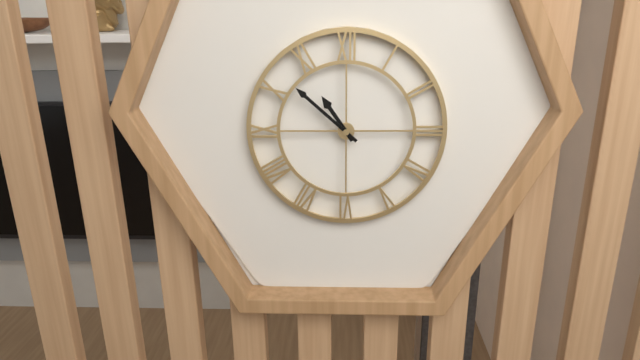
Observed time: 10:52
